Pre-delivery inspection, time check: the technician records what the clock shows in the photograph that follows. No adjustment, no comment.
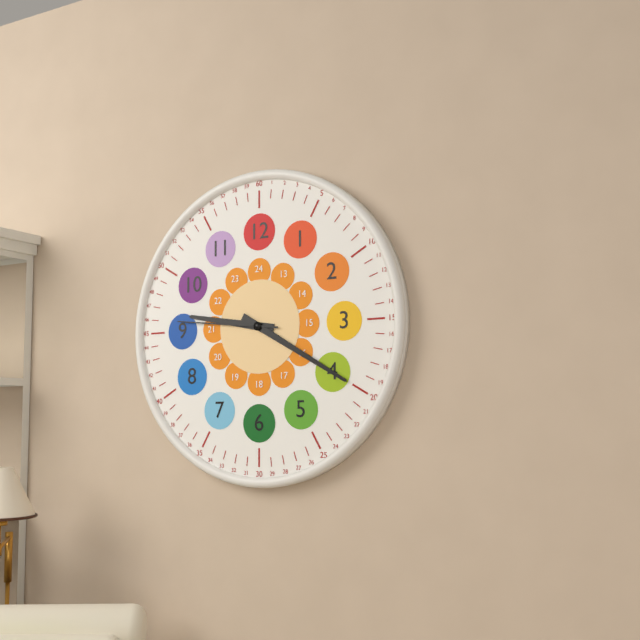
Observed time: 9:20:46
